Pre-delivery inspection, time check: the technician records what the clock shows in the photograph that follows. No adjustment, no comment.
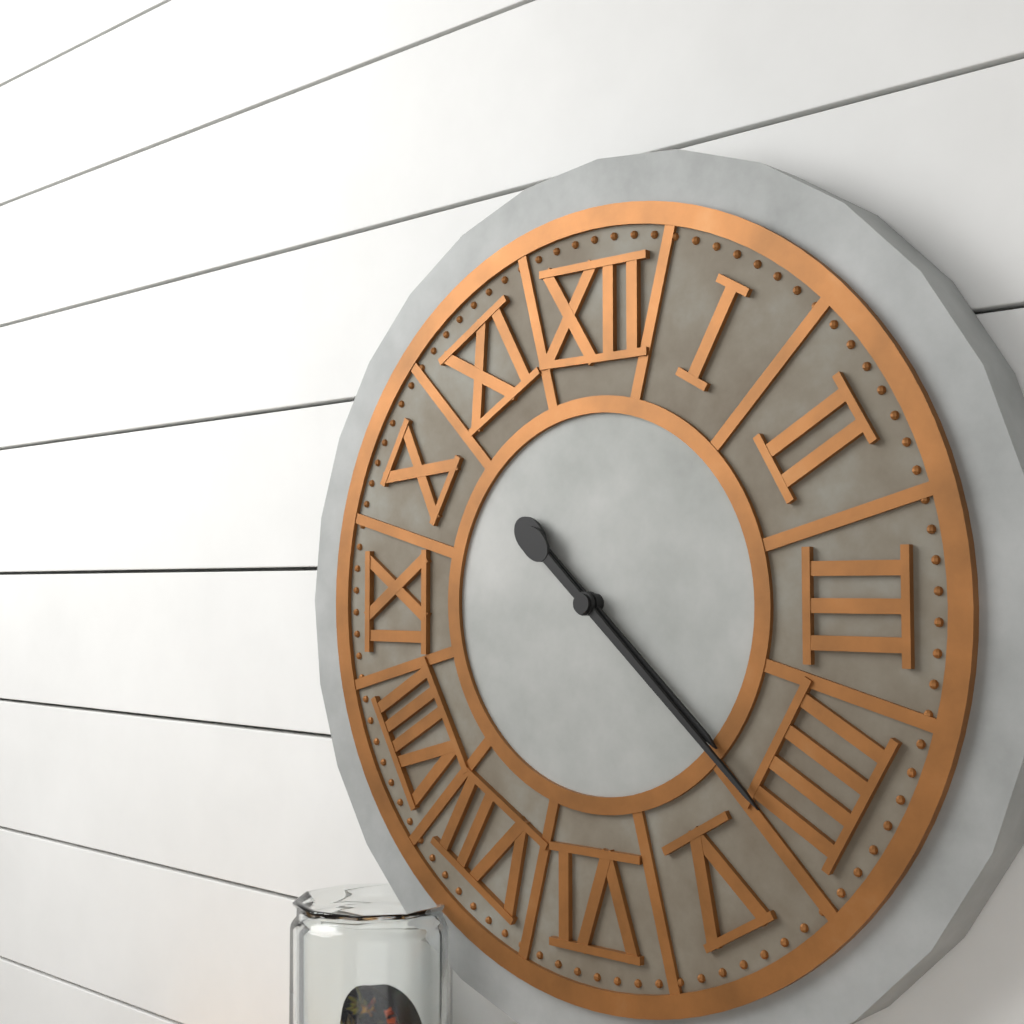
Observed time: 4:22
